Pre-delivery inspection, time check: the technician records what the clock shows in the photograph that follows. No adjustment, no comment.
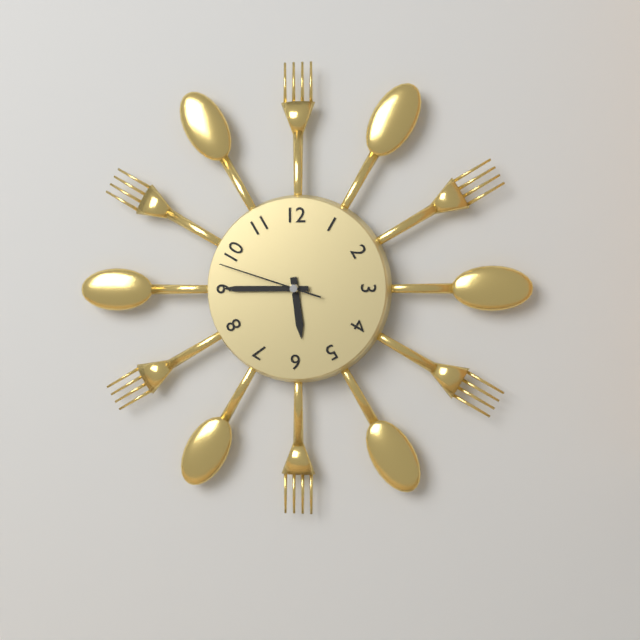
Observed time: 5:45:48
